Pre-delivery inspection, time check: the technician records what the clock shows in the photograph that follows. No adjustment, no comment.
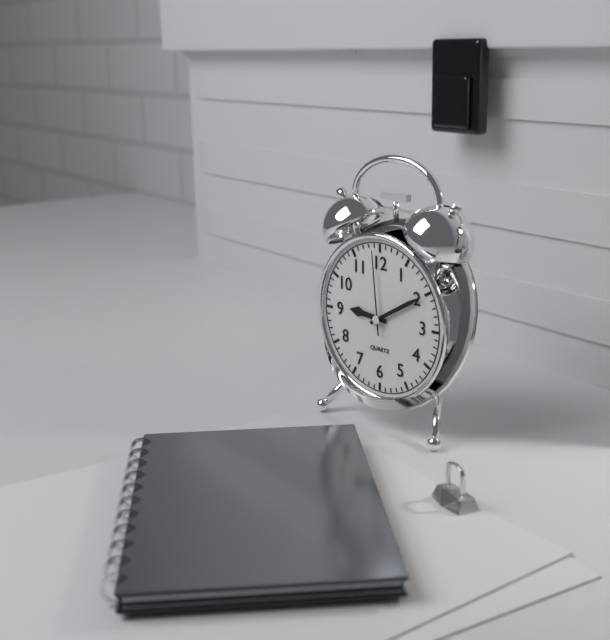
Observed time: 9:10:59
